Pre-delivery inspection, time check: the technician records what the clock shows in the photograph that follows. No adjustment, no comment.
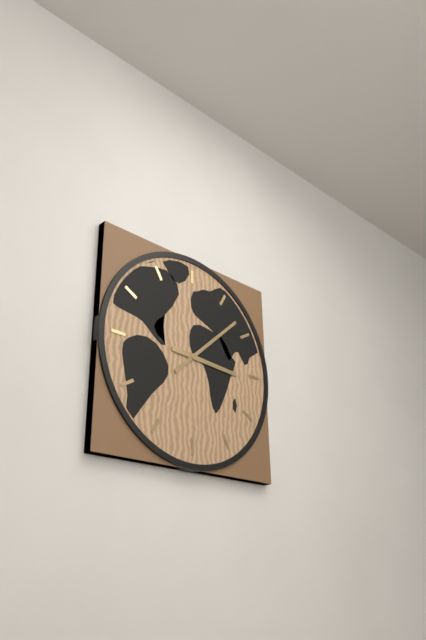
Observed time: 3:08
